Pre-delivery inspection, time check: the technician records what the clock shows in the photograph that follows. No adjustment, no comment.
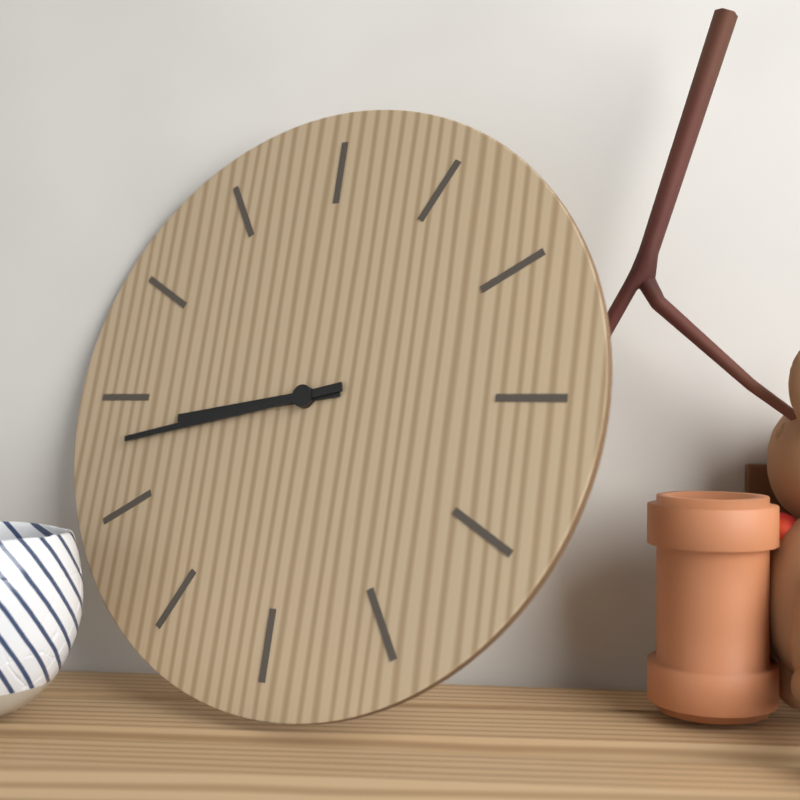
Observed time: 8:43
